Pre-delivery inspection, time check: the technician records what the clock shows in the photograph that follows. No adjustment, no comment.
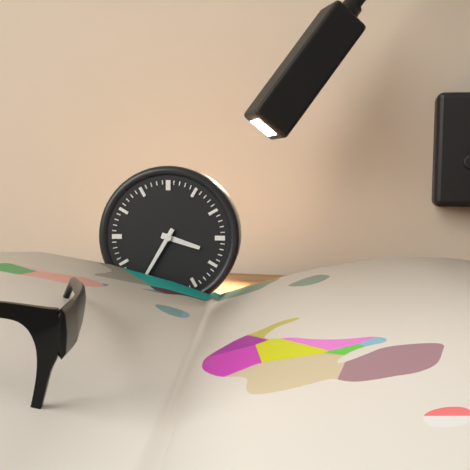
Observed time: 3:35
